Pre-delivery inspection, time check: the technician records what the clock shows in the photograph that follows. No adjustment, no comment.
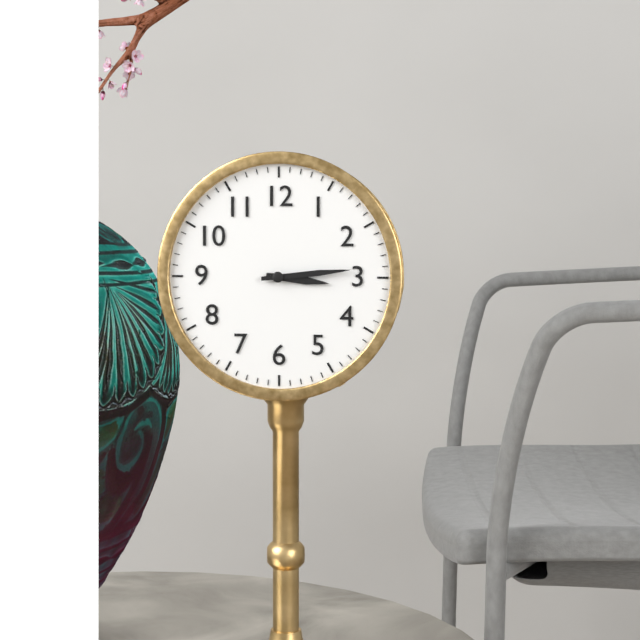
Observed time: 3:14
